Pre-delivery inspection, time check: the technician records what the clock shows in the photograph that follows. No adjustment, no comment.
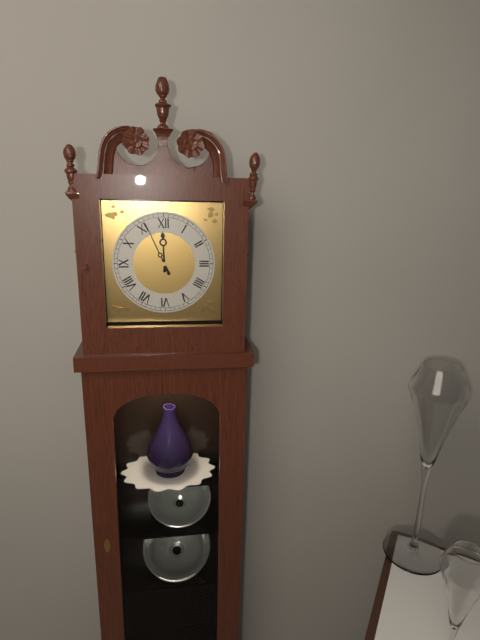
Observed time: 11:56
